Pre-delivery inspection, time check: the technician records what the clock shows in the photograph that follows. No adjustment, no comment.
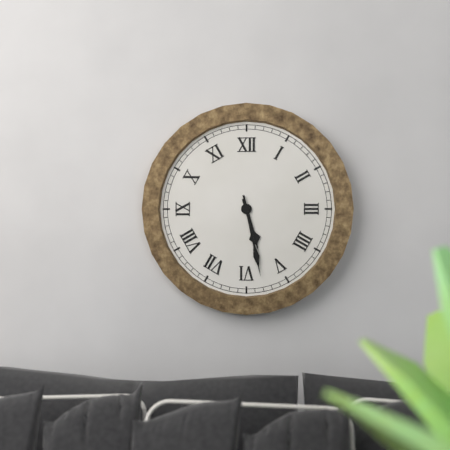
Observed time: 5:28
